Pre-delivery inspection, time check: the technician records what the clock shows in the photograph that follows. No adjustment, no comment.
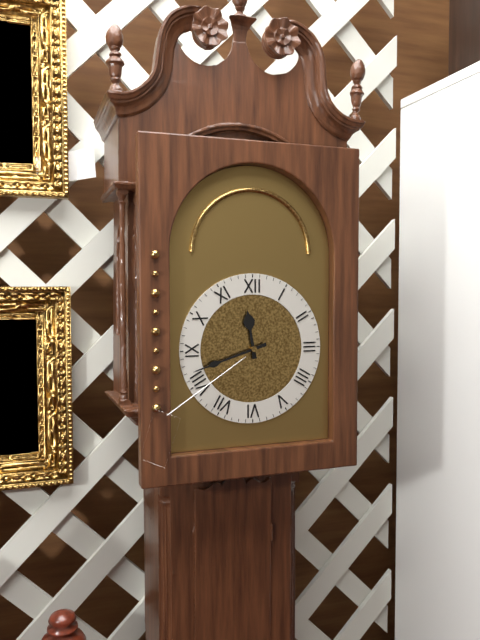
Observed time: 11:42
